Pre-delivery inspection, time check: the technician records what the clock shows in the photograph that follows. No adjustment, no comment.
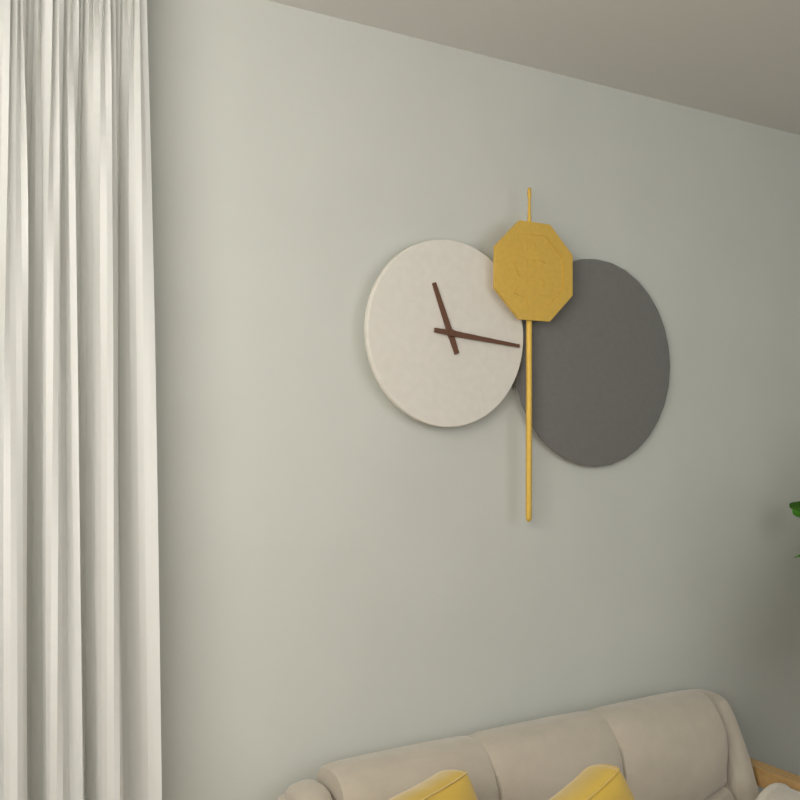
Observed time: 11:16
